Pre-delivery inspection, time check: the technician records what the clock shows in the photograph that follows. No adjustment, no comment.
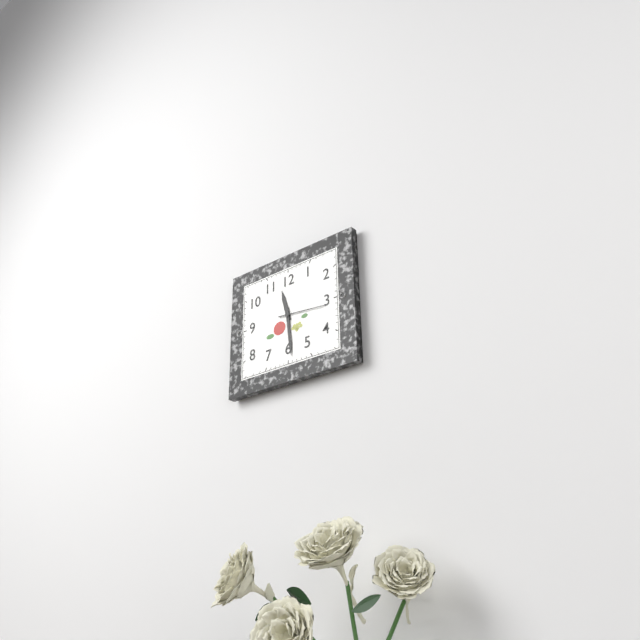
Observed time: 11:29
